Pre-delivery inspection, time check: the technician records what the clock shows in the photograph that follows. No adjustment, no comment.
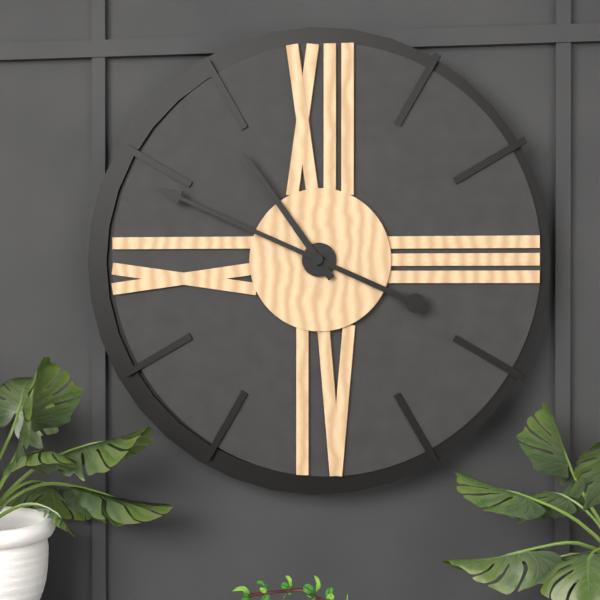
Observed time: 10:49
